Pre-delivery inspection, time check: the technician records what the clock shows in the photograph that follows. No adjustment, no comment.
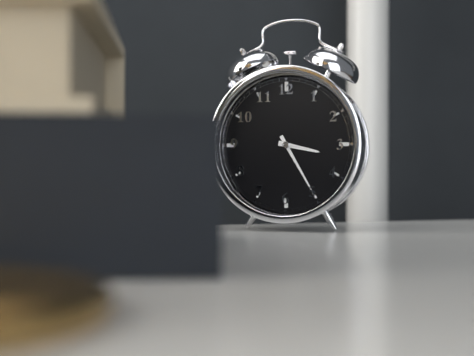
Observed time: 3:25
